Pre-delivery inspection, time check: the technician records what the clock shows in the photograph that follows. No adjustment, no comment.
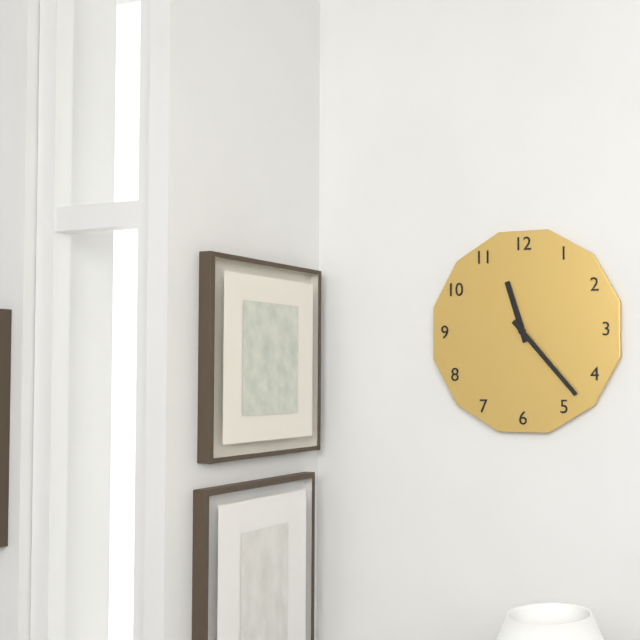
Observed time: 11:23
